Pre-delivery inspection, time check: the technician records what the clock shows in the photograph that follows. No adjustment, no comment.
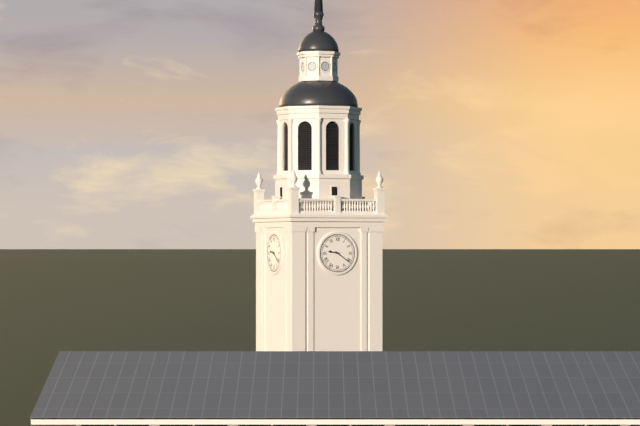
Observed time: 9:21
